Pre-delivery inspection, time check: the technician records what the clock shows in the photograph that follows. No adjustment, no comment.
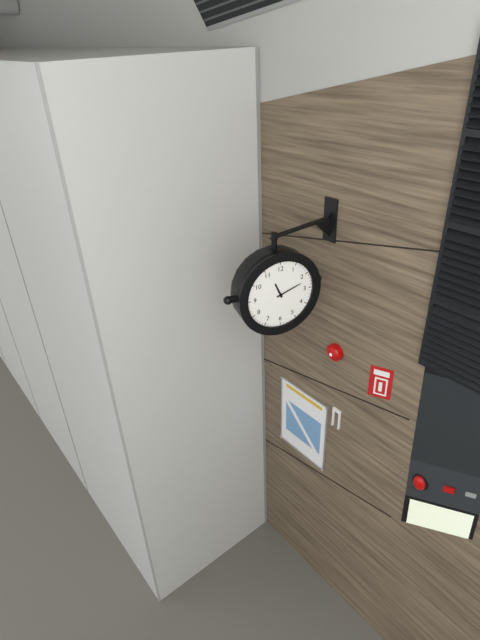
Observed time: 11:12
